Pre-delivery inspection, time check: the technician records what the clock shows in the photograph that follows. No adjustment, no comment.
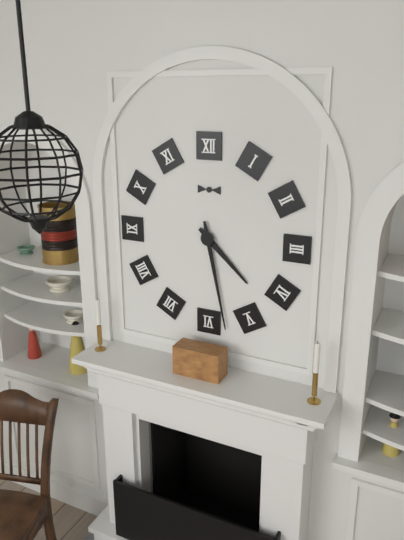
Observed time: 4:28
